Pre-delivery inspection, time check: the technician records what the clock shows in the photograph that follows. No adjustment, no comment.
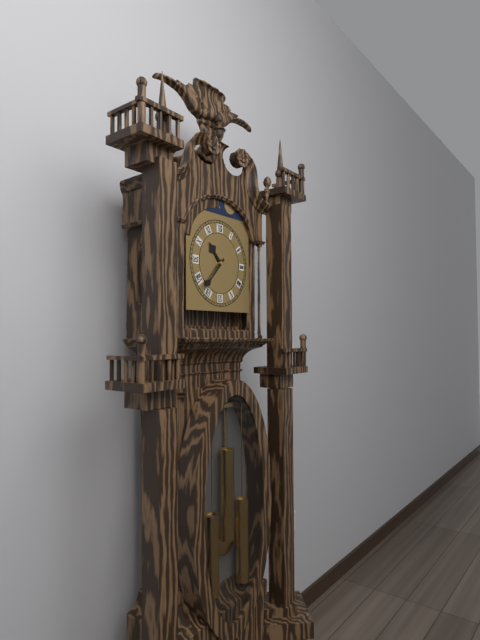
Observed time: 10:37
